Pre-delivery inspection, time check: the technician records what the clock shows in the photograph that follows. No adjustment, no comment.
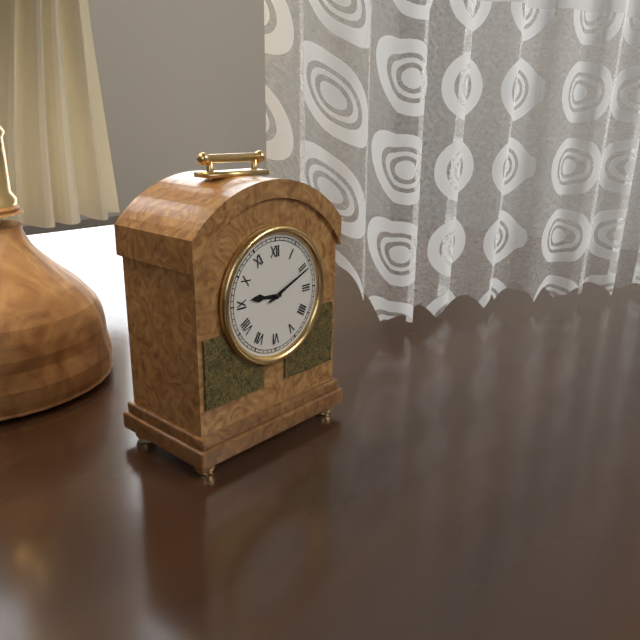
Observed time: 9:11
